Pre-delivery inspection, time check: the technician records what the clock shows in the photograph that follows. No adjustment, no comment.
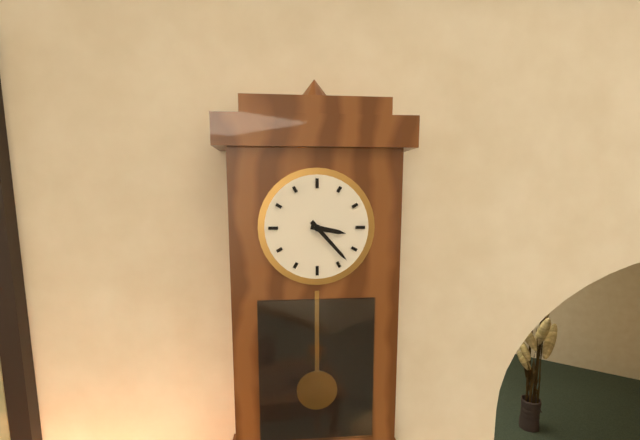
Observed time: 3:23
